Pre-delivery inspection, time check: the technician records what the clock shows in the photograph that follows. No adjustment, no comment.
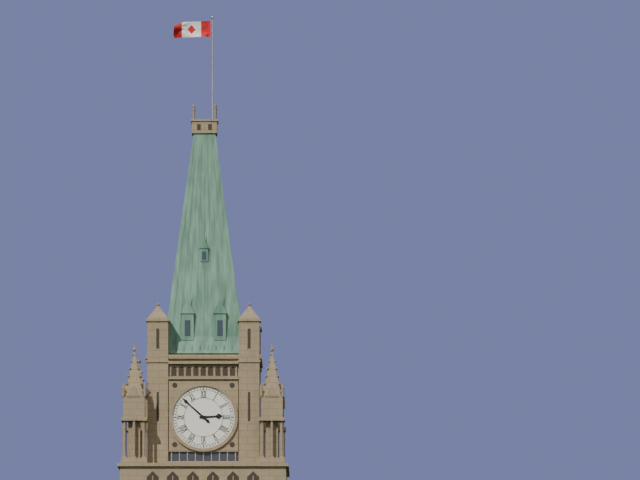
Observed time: 2:52
